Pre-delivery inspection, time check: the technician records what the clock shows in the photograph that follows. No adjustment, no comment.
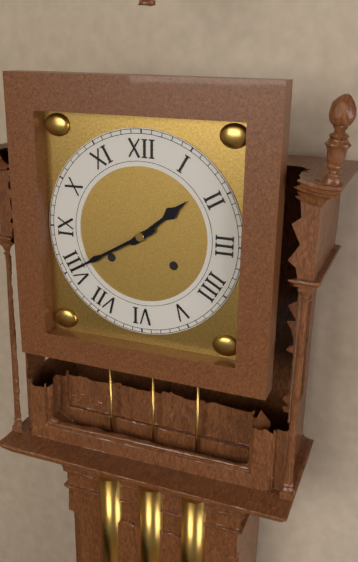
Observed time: 1:40
